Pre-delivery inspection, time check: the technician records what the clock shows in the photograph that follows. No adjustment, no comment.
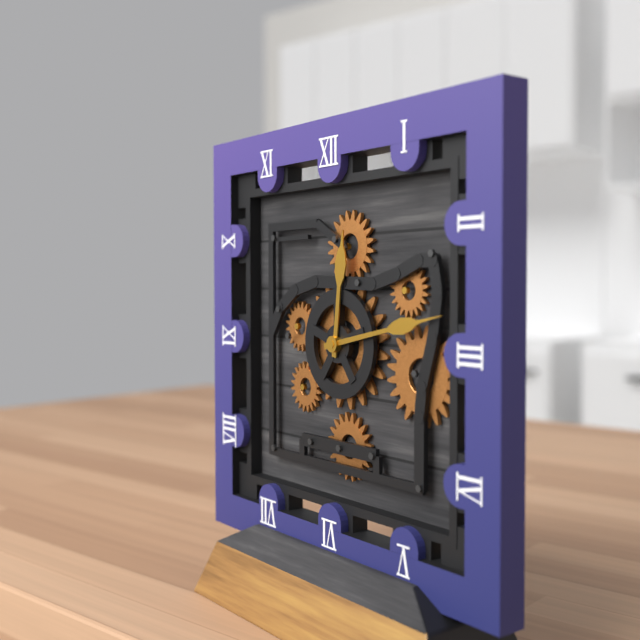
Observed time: 12:13
